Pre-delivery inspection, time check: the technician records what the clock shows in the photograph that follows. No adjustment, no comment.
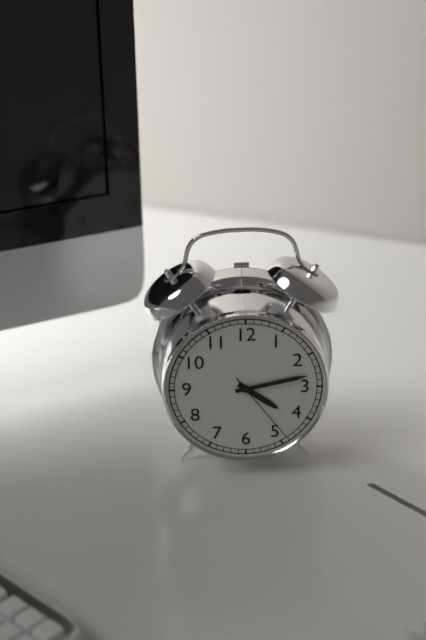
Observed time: 4:13:24
